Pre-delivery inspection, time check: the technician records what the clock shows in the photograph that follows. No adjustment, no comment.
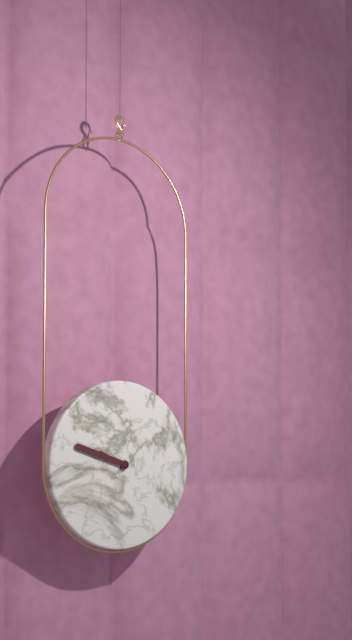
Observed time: 9:48
